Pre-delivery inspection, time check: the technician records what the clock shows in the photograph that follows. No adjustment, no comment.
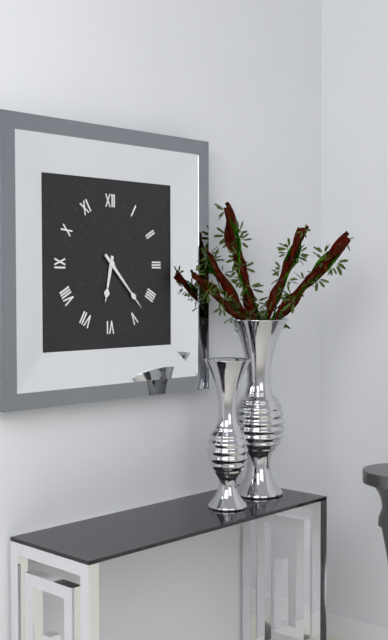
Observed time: 6:23
